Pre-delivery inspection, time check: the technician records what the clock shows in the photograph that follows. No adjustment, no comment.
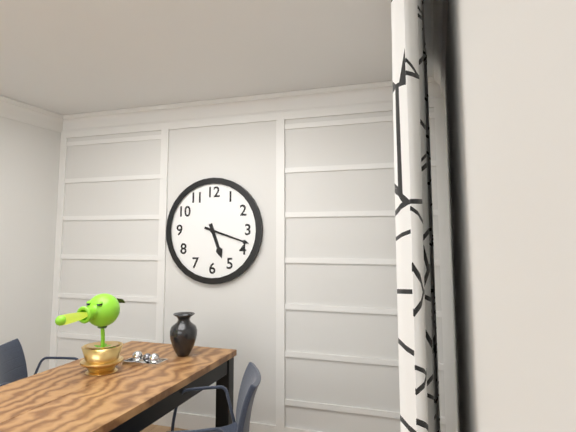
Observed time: 5:18
